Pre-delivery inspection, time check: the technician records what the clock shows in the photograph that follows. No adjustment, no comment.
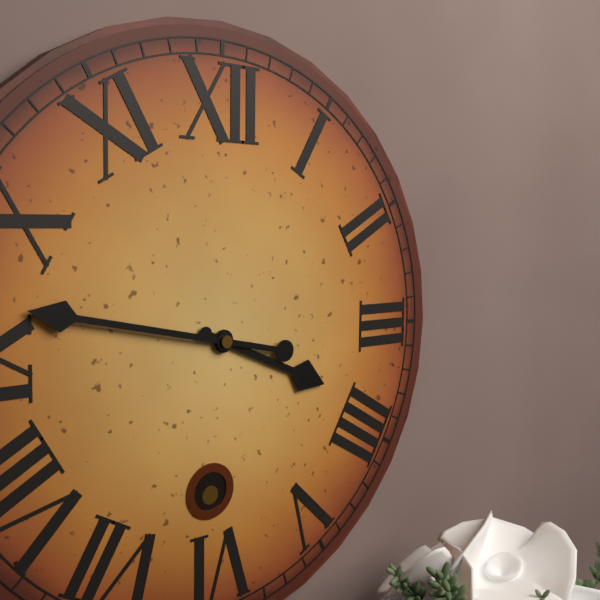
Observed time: 3:47
